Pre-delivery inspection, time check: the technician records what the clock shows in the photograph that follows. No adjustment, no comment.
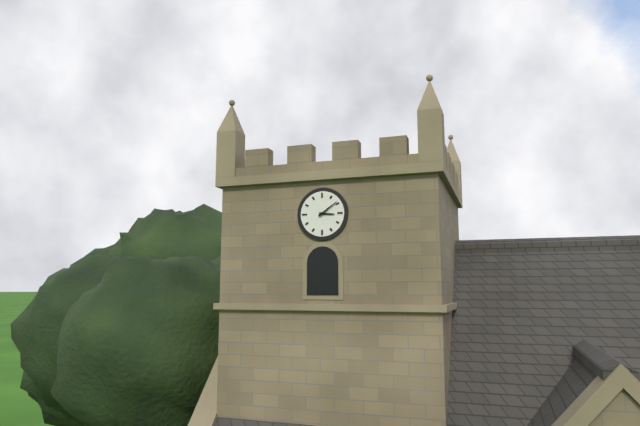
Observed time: 3:09
